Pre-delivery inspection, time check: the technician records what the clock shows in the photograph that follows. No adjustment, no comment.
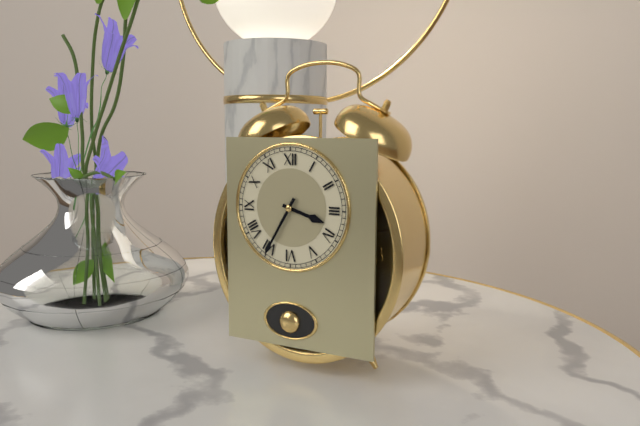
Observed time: 3:35
